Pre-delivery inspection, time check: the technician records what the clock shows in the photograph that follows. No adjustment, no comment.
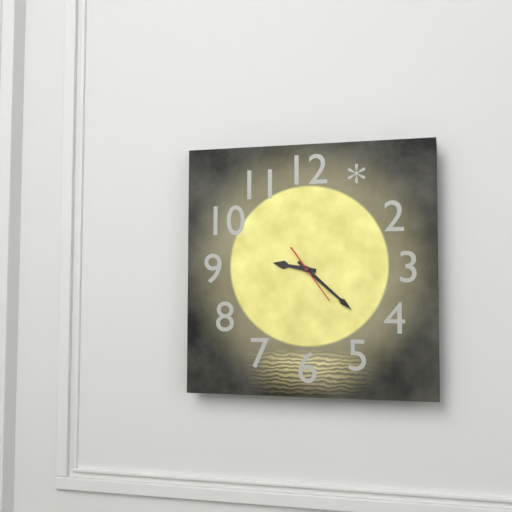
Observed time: 9:22
